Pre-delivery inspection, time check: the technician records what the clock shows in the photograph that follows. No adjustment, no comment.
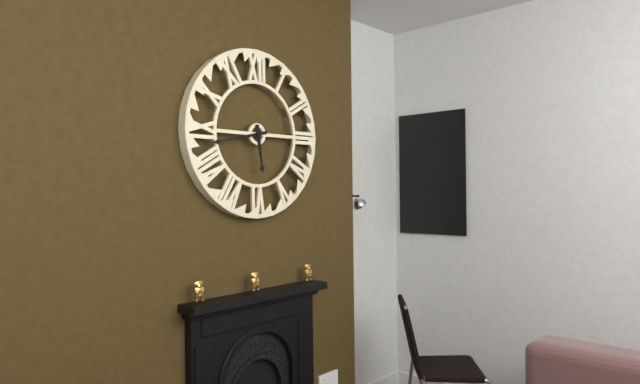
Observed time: 5:43
